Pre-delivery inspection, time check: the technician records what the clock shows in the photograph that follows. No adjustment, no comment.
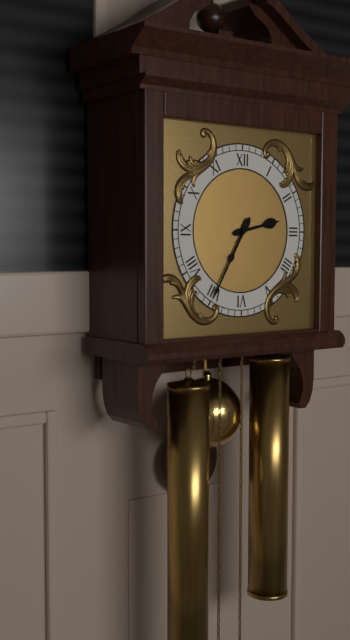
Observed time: 2:35
